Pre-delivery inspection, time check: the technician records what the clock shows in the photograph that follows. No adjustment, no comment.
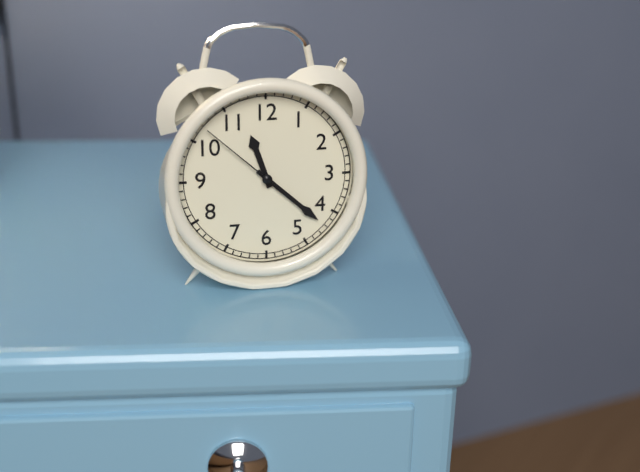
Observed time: 11:22:52
